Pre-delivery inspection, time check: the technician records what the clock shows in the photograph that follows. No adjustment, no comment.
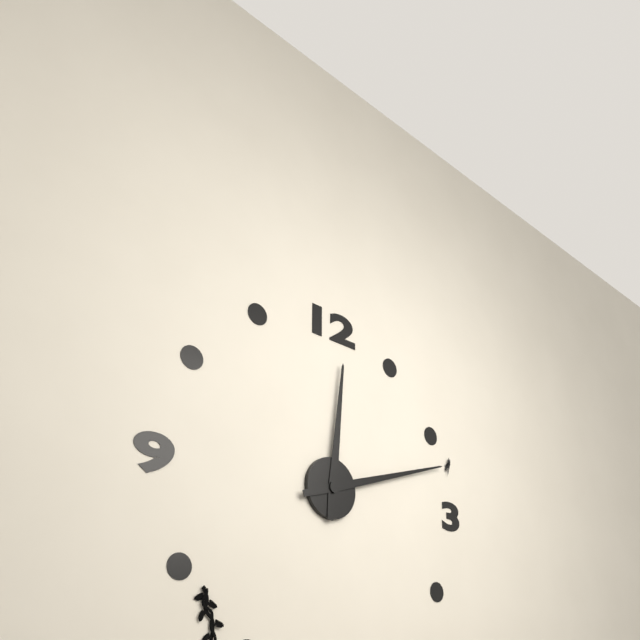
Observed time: 12:12
